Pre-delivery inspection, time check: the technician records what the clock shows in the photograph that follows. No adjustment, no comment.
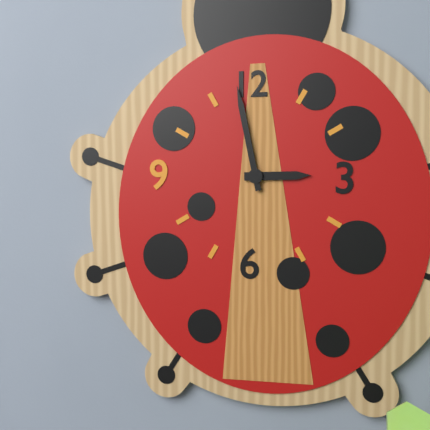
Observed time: 2:58
